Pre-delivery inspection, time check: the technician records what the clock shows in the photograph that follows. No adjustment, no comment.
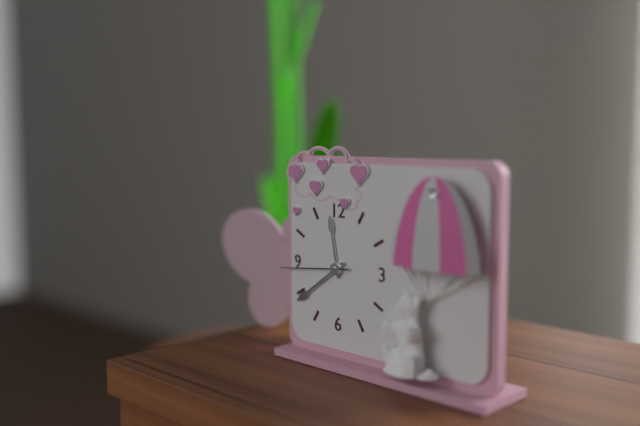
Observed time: 11:39:44
